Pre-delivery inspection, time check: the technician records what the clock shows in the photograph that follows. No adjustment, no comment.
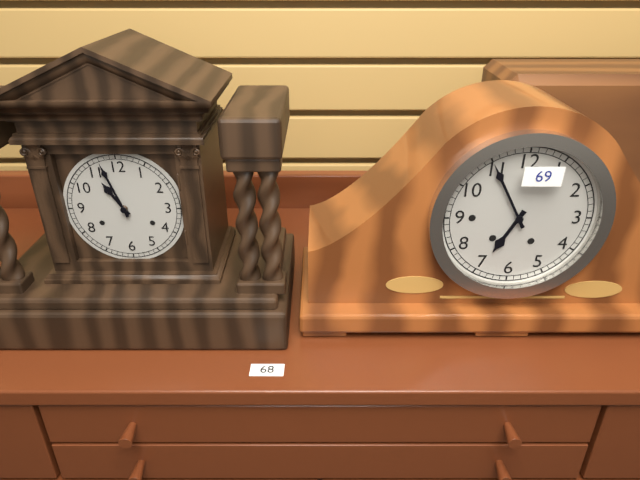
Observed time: 10:57
